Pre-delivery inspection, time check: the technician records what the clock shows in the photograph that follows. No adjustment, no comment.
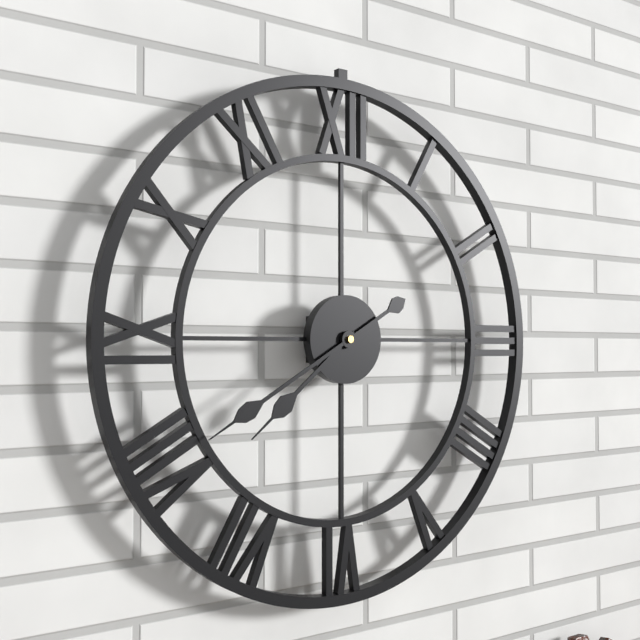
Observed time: 7:40
